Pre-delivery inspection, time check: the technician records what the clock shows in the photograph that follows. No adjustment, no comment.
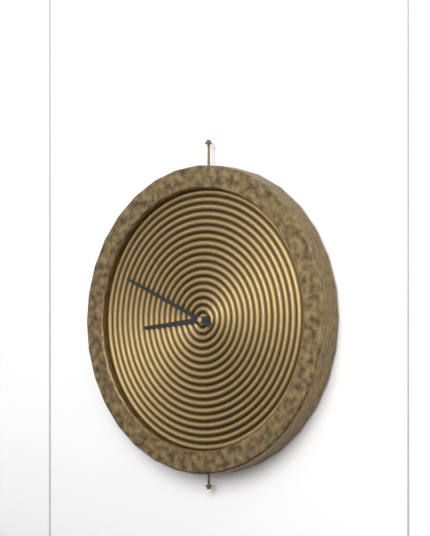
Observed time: 8:49
